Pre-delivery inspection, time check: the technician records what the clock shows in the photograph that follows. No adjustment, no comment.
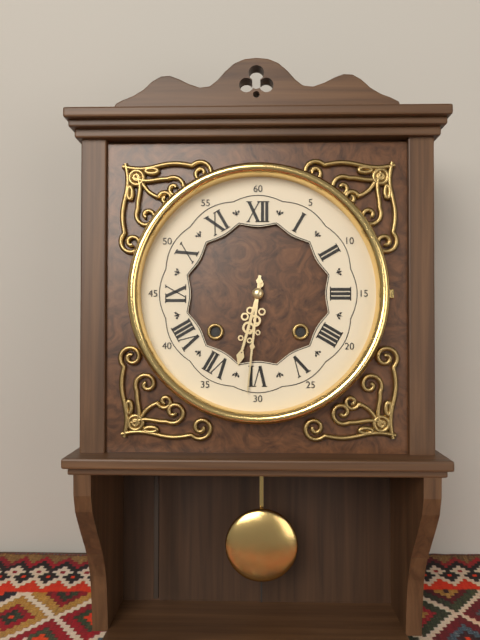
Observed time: 6:31
